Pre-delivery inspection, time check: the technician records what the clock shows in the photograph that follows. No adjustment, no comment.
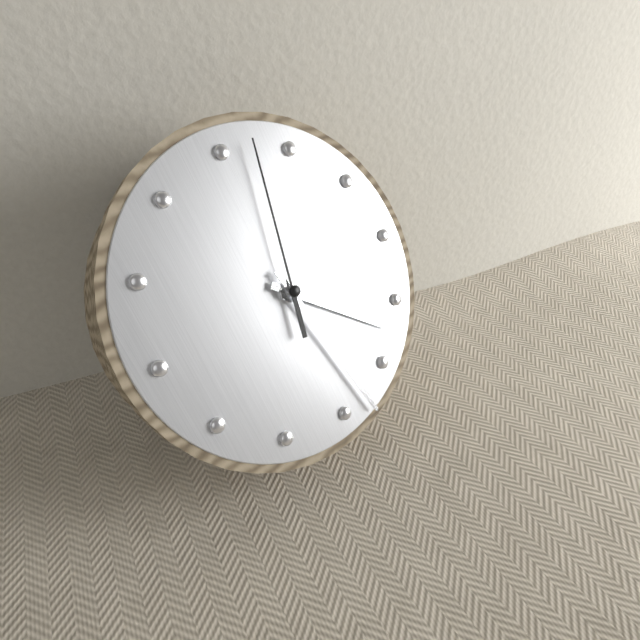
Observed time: 4:28:02
